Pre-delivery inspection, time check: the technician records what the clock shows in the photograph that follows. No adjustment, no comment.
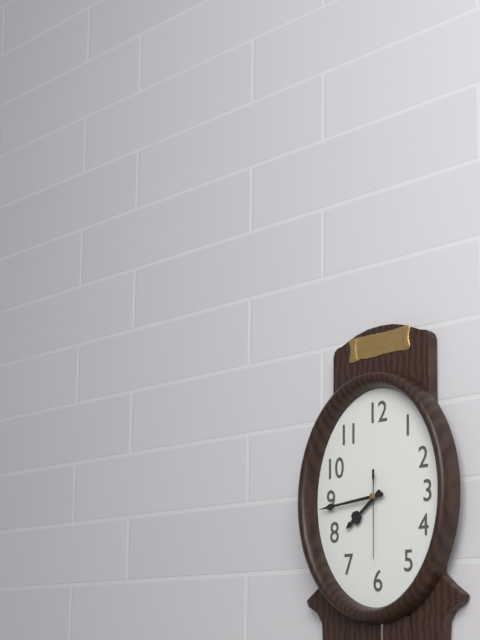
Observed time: 7:44:30
